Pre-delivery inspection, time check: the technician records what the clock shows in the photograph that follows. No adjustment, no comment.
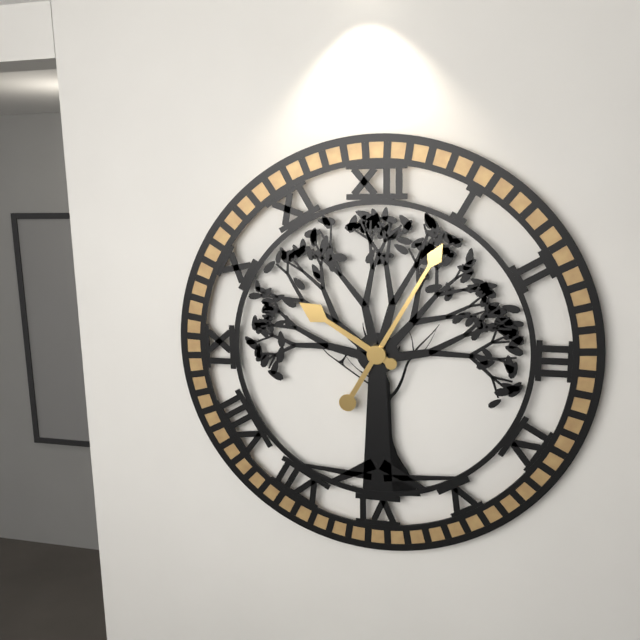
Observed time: 10:05
